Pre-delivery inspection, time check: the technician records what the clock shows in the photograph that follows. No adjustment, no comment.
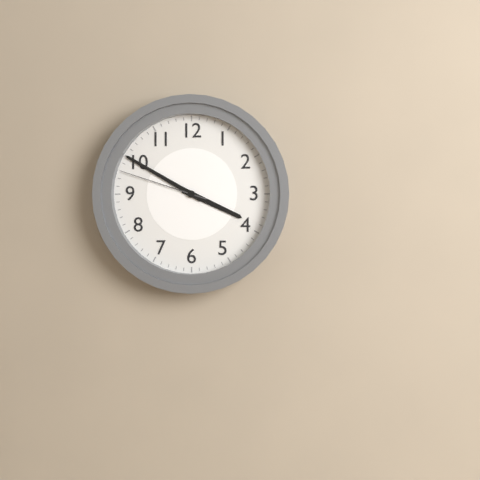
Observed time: 3:50:48
